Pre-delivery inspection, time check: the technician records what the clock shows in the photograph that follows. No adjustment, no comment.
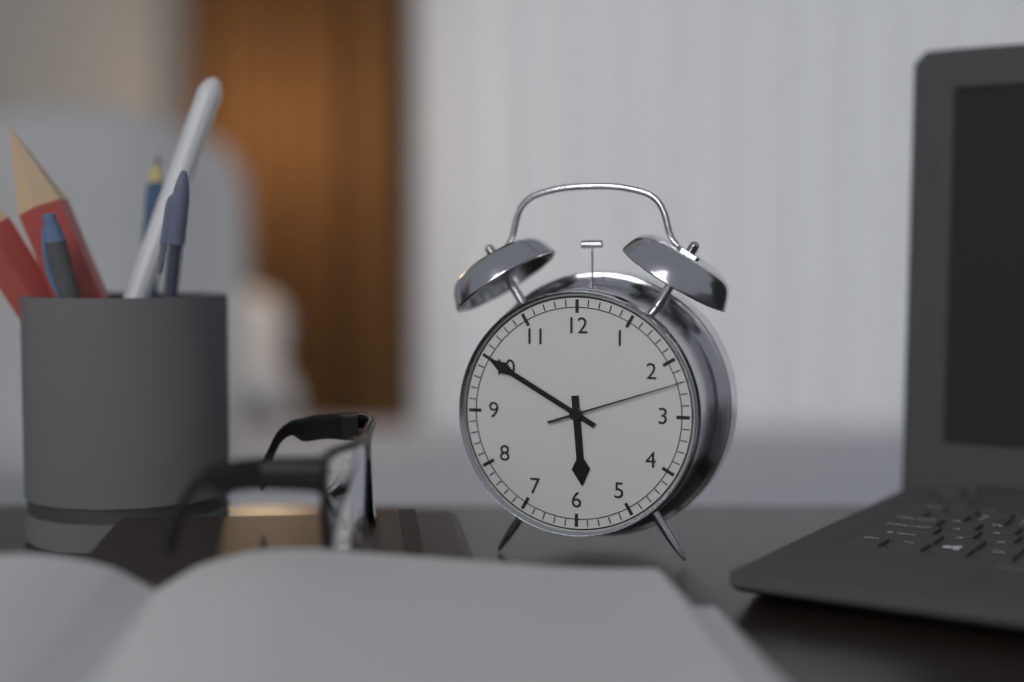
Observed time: 5:50:12
